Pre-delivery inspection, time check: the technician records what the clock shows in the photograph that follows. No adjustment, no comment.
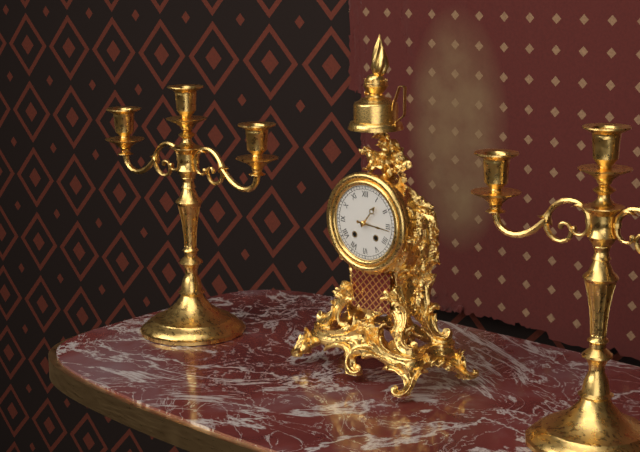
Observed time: 1:16
